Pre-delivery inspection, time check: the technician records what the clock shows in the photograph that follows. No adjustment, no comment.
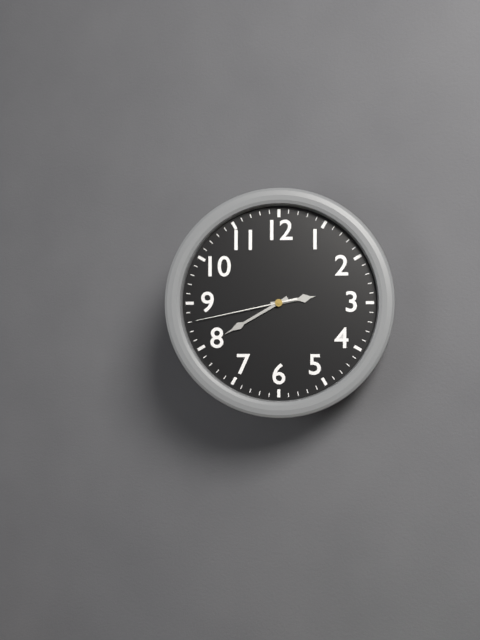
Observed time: 2:40:43
